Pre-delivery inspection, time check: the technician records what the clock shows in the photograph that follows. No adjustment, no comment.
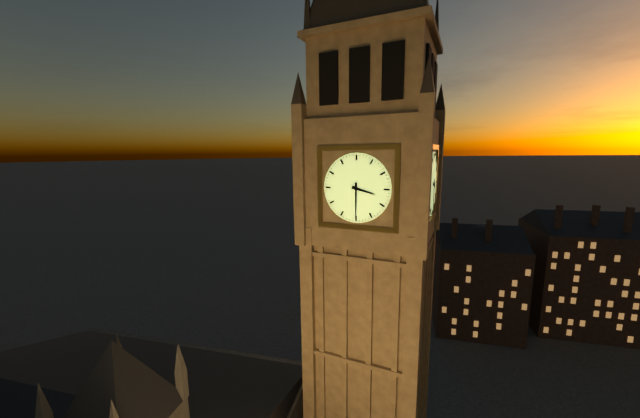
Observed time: 3:30
